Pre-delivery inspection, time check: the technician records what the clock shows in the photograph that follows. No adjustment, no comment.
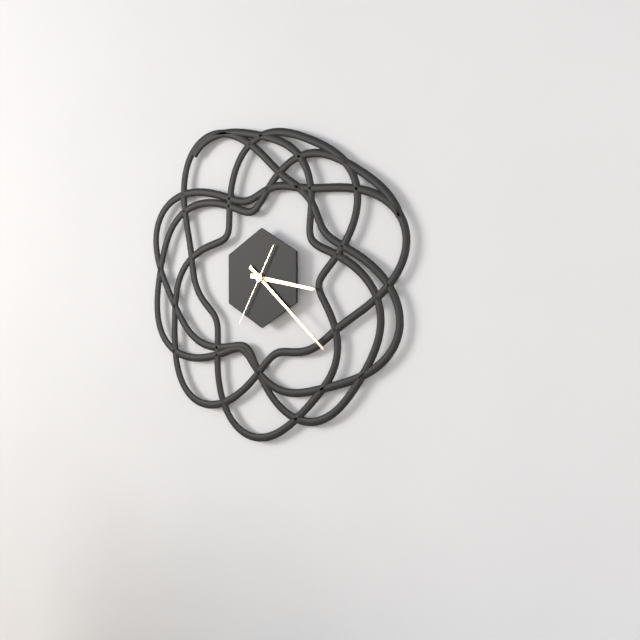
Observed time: 3:22:35
